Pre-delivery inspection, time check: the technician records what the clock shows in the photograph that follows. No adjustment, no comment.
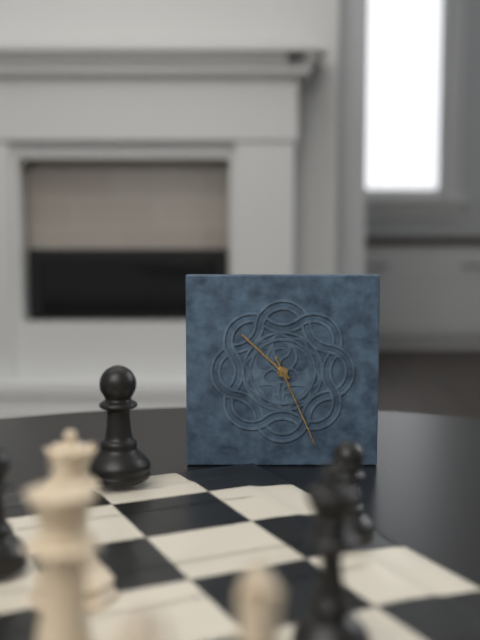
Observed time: 10:26
